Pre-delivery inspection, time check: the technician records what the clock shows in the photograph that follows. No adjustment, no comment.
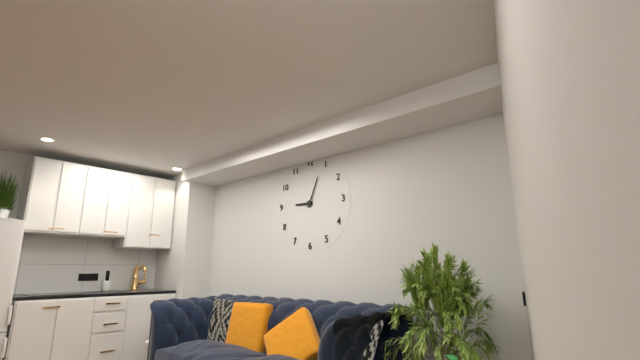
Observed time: 9:04
